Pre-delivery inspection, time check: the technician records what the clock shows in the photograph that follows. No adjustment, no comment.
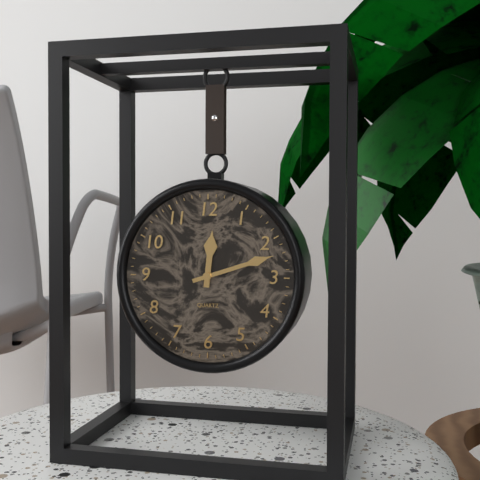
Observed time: 12:12
